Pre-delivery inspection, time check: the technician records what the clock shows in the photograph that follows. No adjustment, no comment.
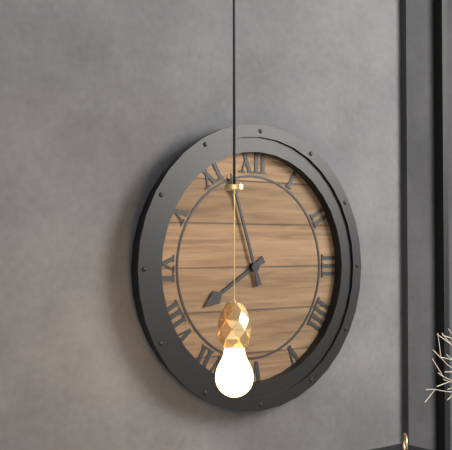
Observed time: 7:57
